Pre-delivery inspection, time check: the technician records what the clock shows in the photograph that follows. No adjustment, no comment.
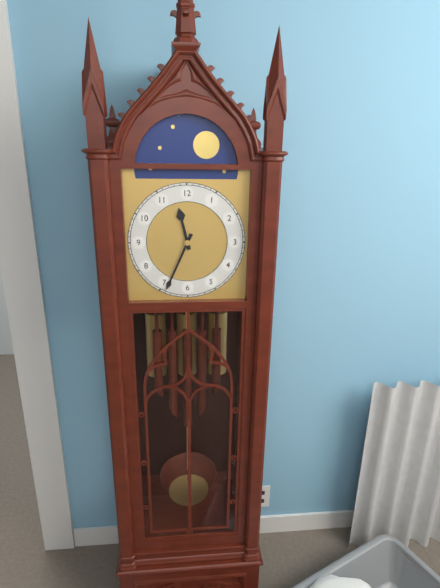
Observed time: 11:34
